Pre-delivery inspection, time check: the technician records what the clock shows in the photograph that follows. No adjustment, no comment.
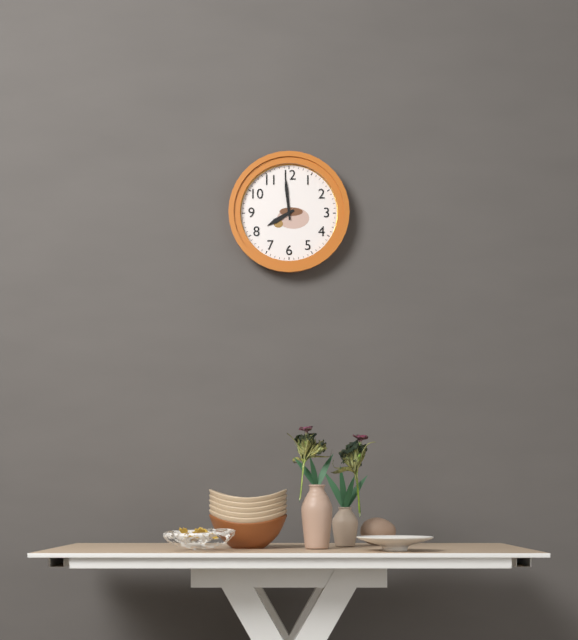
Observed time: 7:59
